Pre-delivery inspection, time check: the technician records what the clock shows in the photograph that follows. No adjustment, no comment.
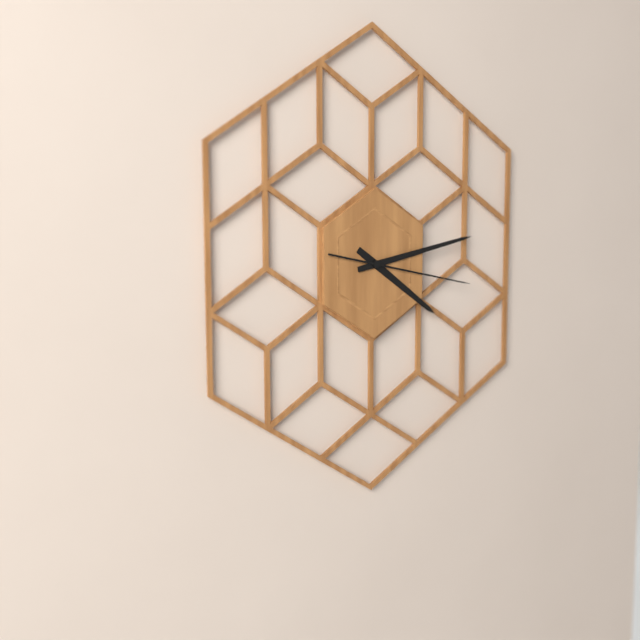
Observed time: 4:13:17
